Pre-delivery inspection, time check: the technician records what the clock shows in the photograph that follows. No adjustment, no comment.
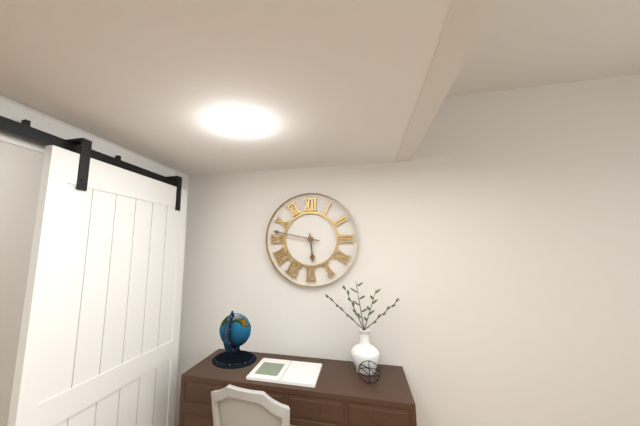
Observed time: 5:47
